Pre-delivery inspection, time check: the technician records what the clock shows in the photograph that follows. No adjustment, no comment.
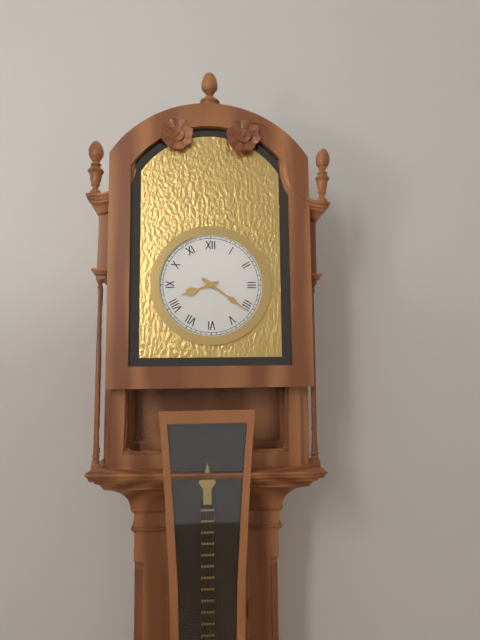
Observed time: 8:21
